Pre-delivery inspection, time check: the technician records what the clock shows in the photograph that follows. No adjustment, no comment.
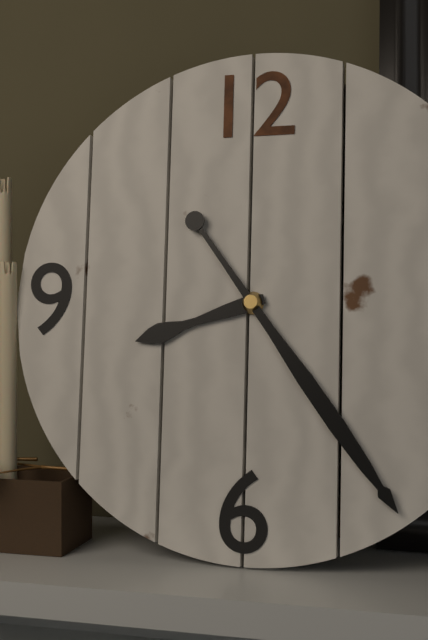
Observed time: 8:24
